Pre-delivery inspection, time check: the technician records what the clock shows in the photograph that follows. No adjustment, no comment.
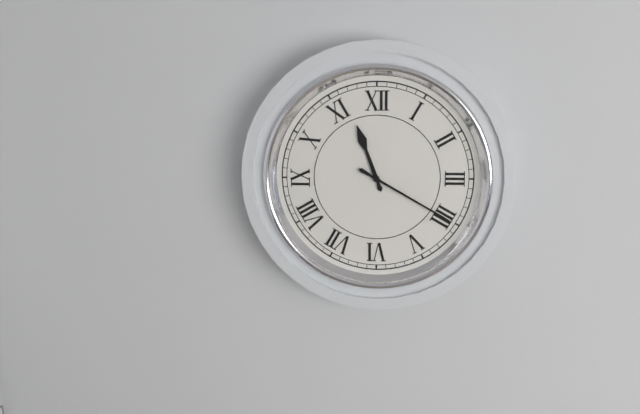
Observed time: 11:20
